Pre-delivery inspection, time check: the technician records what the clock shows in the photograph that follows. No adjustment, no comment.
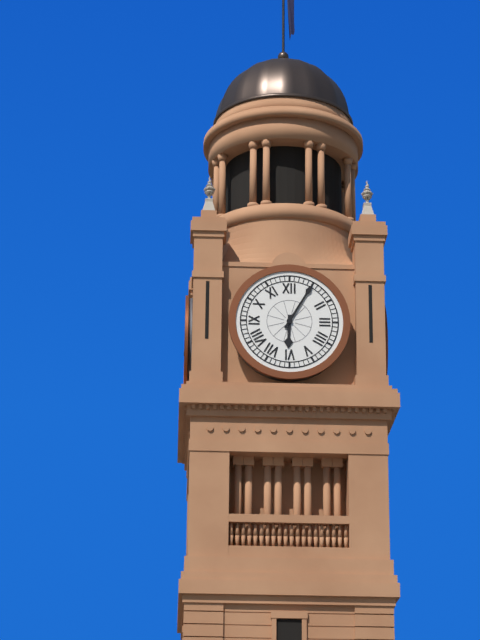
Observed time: 6:05
